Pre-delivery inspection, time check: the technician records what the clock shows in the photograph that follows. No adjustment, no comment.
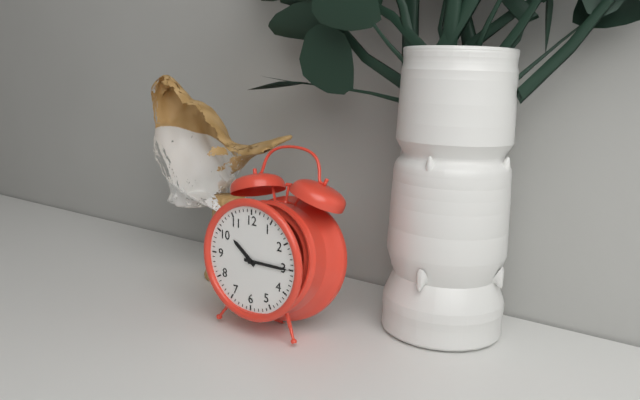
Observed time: 10:15
